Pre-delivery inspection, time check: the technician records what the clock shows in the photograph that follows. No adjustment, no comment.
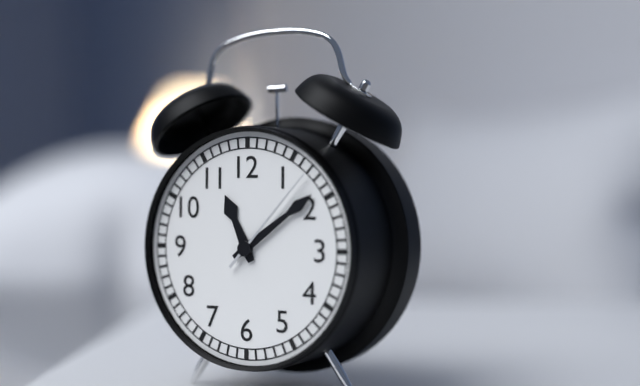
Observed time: 11:09:07
